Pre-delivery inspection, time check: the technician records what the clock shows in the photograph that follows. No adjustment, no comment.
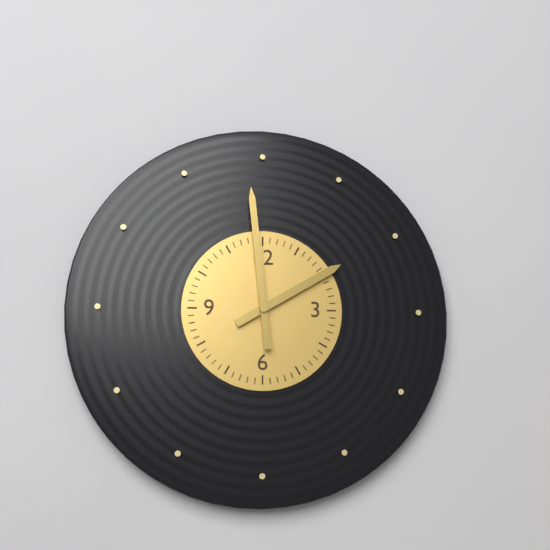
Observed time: 1:59
